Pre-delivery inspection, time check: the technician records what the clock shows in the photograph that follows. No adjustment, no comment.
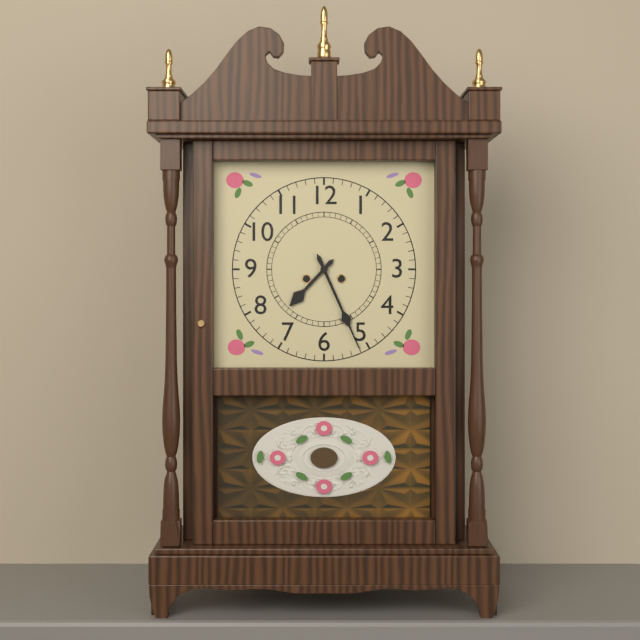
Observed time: 7:26
